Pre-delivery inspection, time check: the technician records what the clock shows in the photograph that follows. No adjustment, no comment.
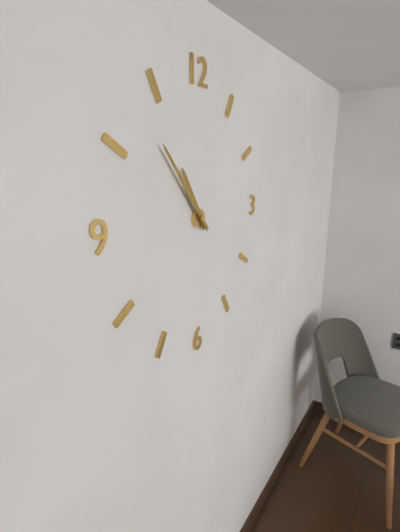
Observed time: 10:53
